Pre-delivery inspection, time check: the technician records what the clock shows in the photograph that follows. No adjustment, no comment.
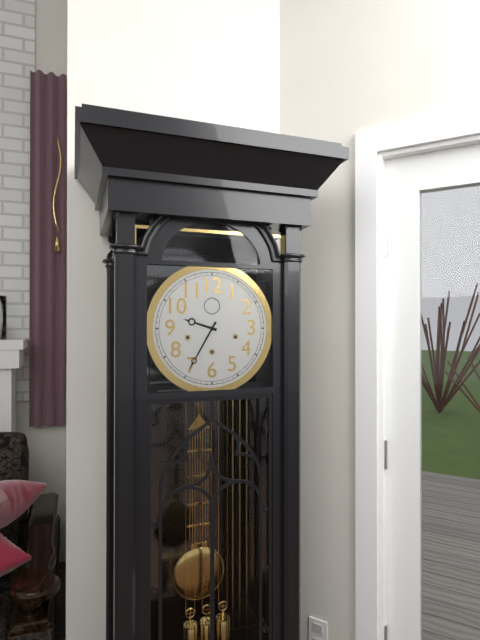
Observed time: 9:35
